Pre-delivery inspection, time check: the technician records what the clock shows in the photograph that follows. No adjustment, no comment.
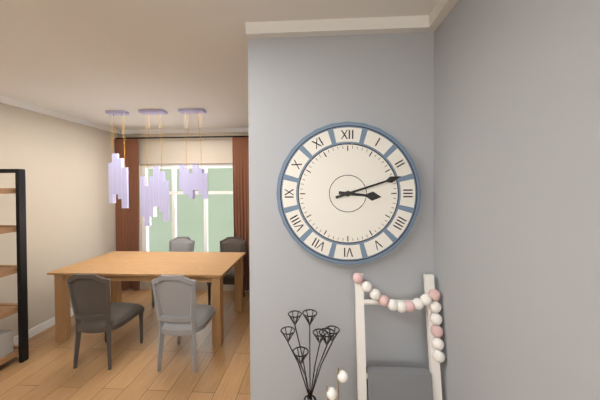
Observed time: 3:12
